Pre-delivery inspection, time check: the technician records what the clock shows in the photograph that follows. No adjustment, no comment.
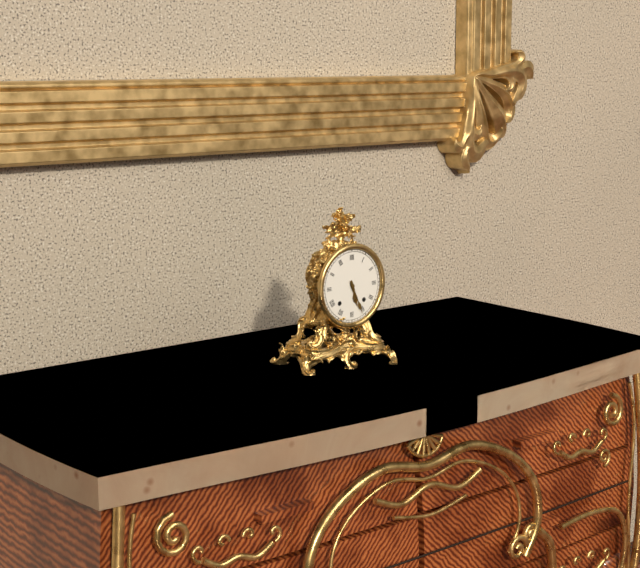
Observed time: 5:26
